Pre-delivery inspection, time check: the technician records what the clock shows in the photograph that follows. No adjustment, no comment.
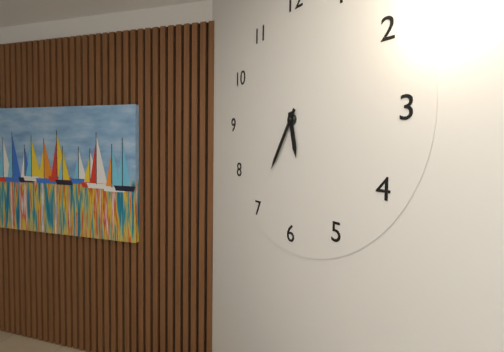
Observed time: 5:35
